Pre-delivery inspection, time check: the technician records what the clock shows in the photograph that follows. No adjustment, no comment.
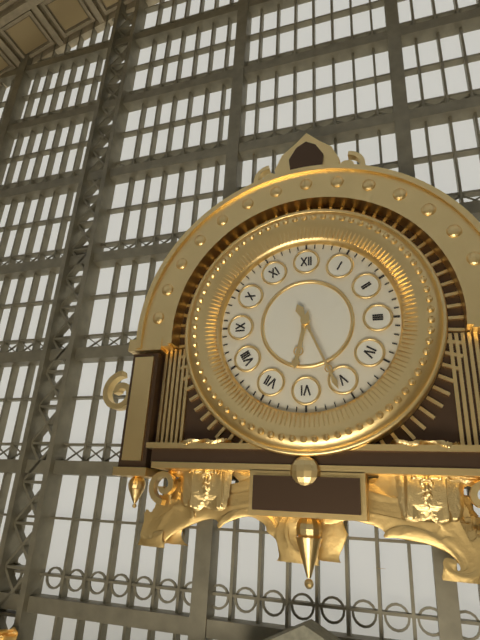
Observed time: 6:26
